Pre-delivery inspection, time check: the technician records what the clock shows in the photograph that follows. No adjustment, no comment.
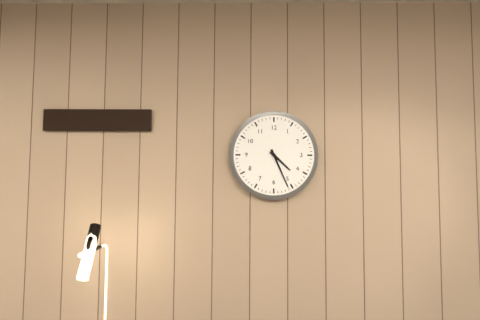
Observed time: 4:26
